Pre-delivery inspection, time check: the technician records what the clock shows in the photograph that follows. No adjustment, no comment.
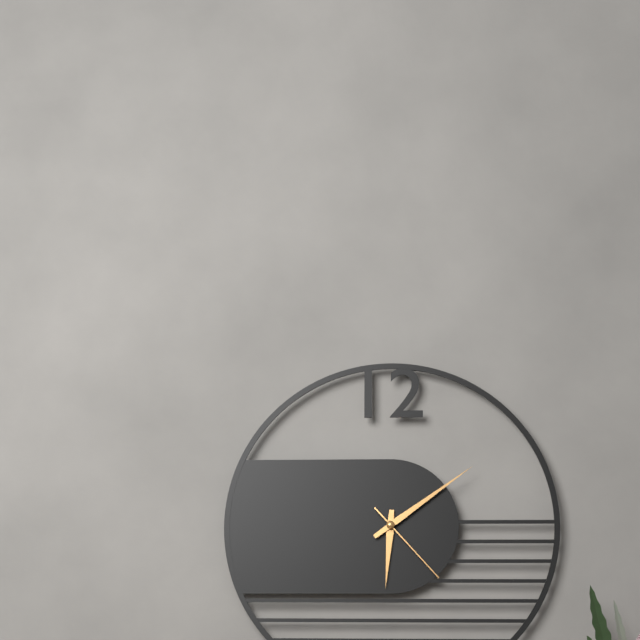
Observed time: 6:09:23
